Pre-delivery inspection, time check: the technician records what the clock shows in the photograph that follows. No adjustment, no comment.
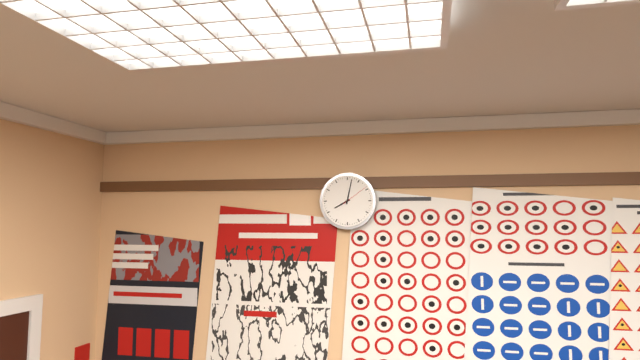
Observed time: 8:02
